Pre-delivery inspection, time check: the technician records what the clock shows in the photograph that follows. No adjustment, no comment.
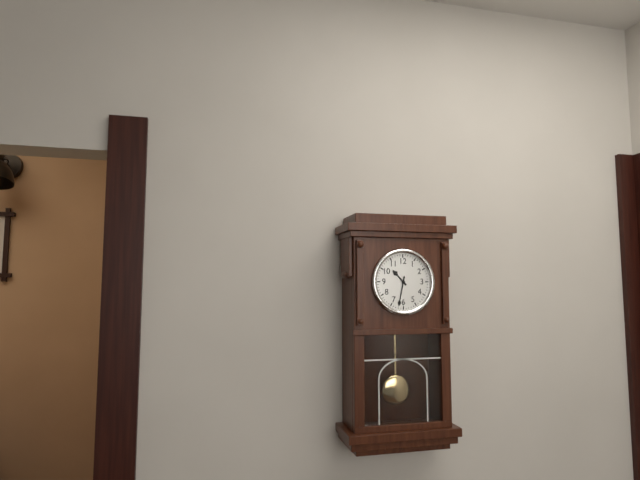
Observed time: 10:32
